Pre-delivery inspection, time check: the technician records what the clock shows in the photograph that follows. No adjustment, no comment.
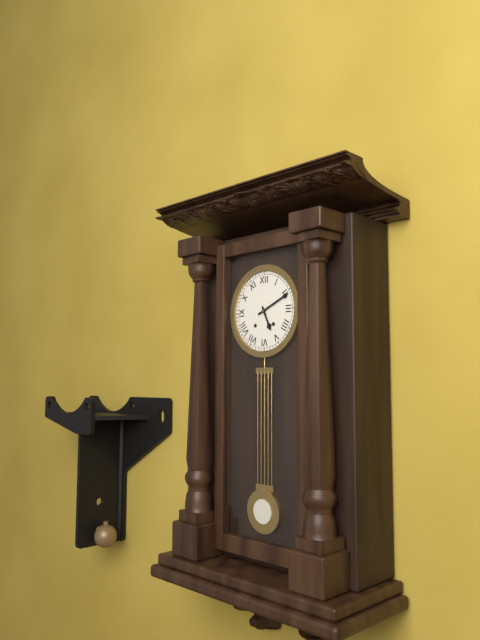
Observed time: 5:11
